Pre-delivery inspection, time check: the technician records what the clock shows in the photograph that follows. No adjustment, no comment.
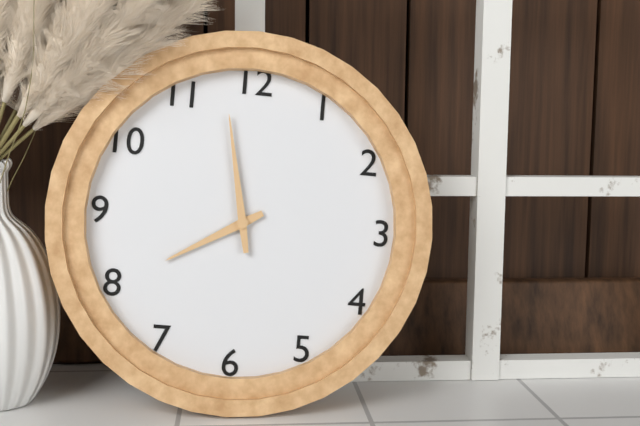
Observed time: 7:58
